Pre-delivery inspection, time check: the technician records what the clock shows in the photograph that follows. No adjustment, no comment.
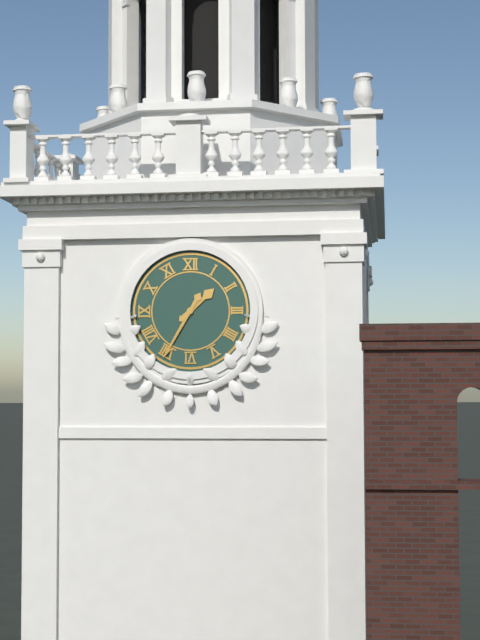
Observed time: 1:35
